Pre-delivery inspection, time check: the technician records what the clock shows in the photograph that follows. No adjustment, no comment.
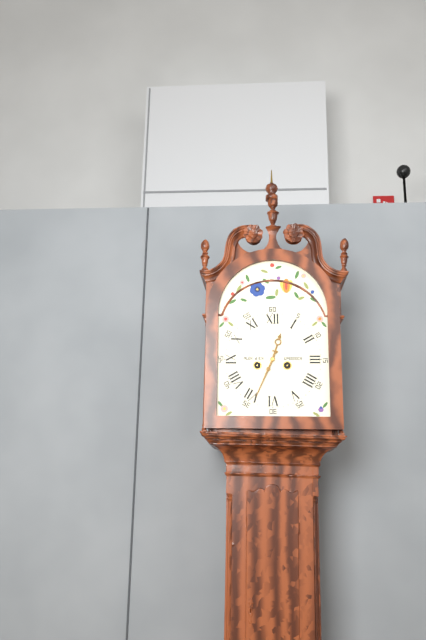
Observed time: 12:34
